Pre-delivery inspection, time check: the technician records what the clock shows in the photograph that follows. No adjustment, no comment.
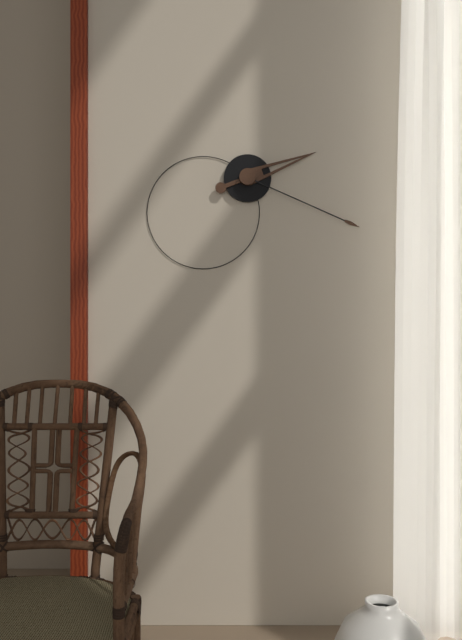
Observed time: 2:19
